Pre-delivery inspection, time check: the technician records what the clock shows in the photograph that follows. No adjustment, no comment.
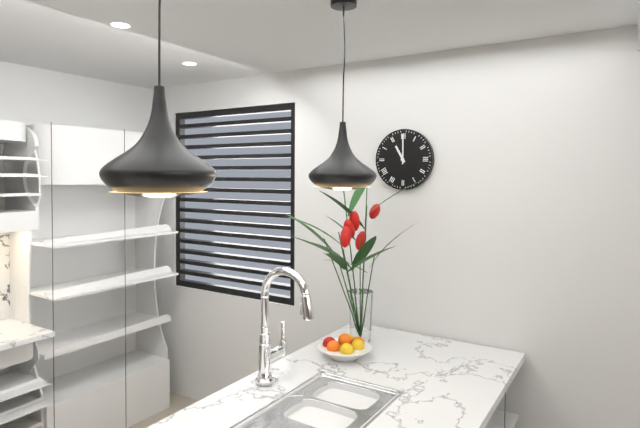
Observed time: 11:00
